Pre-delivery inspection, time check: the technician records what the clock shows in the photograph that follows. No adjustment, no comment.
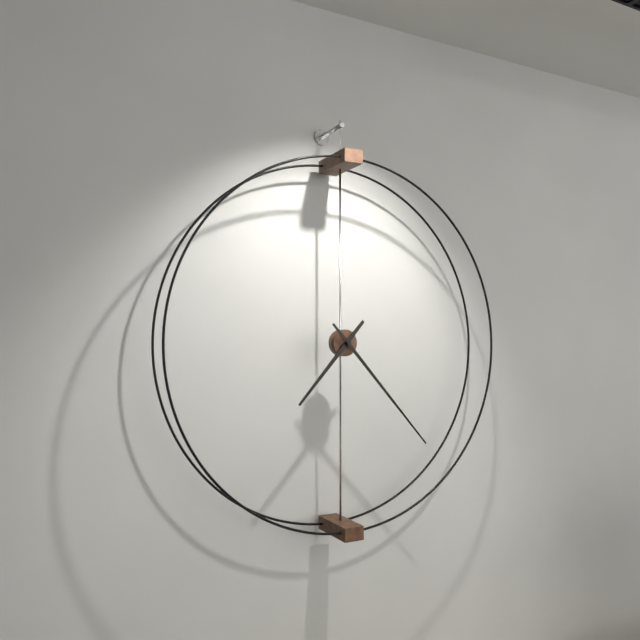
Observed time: 7:23
